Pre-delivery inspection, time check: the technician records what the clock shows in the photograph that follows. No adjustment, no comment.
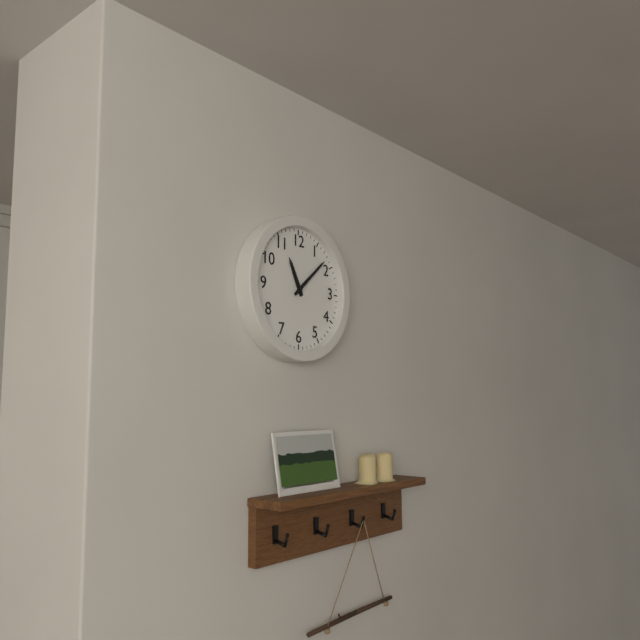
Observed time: 11:08
